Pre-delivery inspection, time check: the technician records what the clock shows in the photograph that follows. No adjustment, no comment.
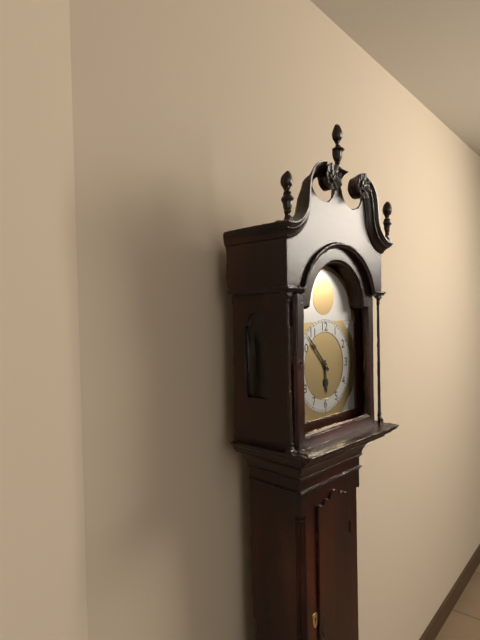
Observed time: 5:53
